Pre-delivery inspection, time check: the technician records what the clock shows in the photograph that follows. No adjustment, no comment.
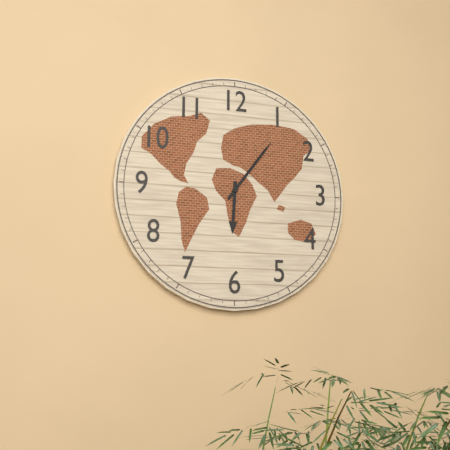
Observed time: 6:06
